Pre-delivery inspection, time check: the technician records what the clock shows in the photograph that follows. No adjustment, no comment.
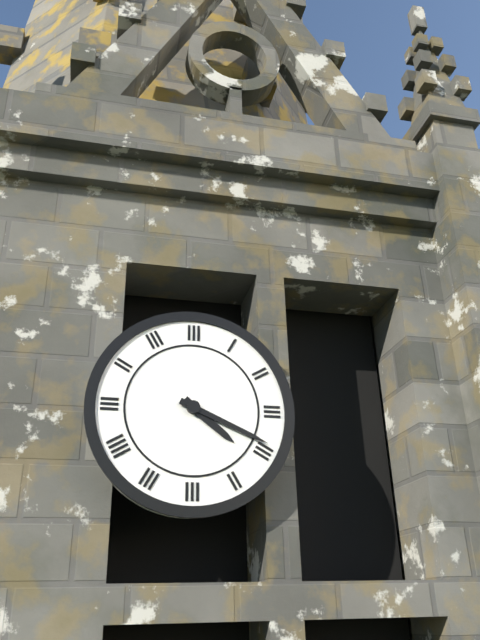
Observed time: 4:19
